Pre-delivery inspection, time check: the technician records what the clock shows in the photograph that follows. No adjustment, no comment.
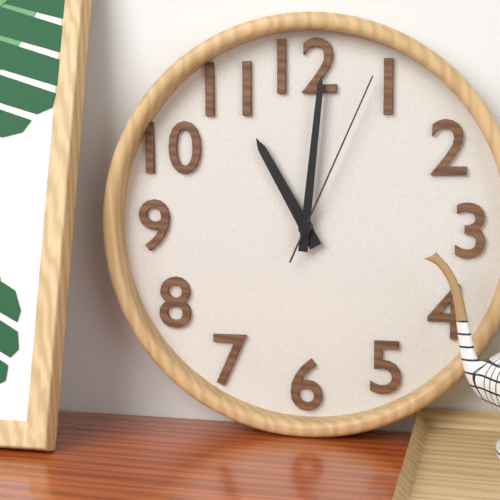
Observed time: 11:01:04
